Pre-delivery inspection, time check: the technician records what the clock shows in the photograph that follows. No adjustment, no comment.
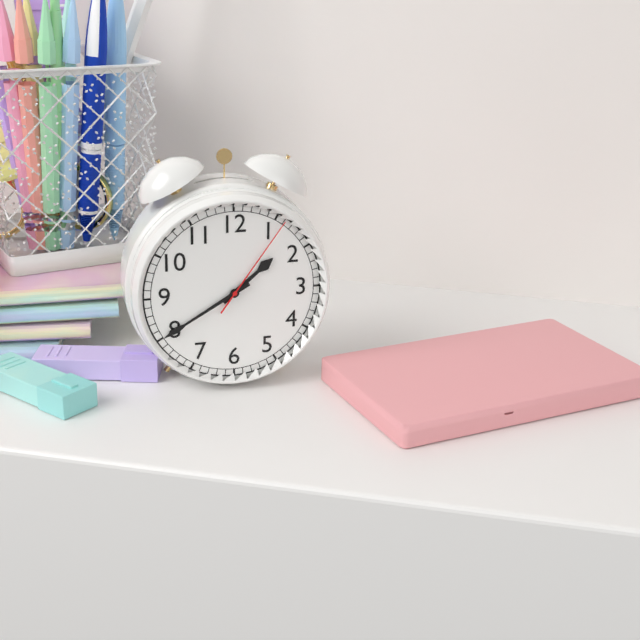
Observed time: 1:40:06
